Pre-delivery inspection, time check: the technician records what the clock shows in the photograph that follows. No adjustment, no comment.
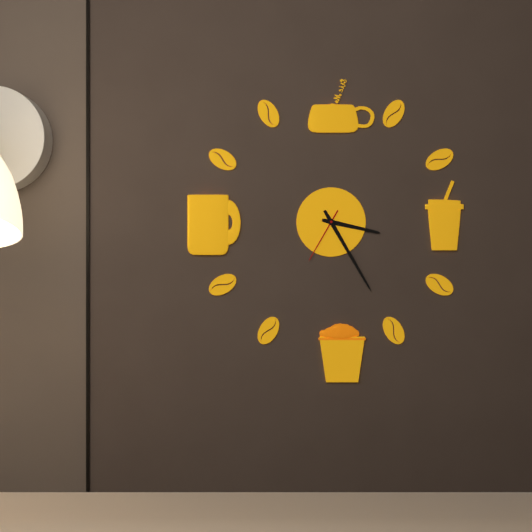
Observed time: 3:25:35
